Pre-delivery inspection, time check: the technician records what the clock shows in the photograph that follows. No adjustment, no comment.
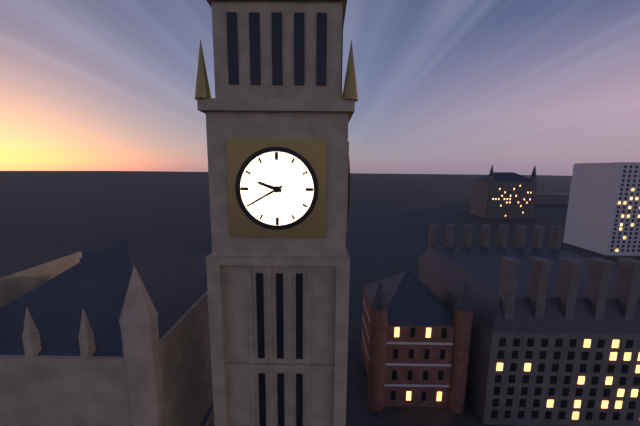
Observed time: 9:40
